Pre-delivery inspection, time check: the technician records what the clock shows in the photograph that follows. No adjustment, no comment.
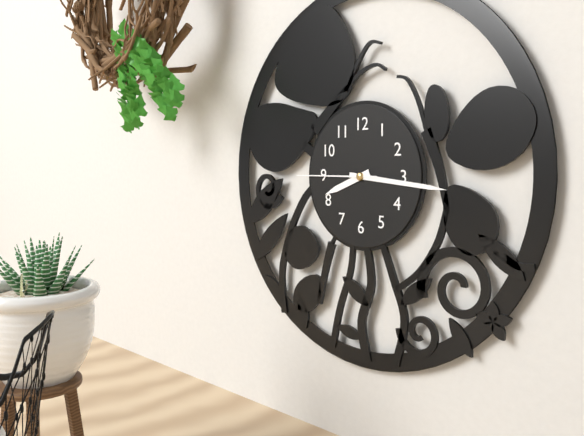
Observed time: 8:16:45
